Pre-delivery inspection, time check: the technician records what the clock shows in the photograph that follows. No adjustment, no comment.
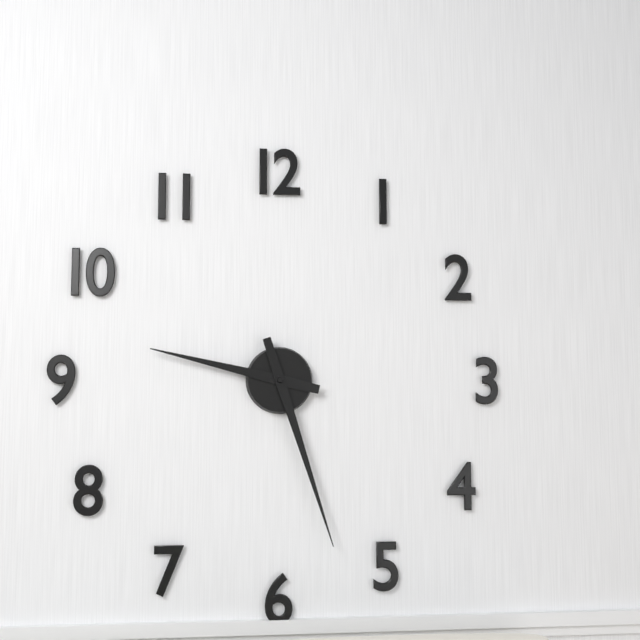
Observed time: 9:27
